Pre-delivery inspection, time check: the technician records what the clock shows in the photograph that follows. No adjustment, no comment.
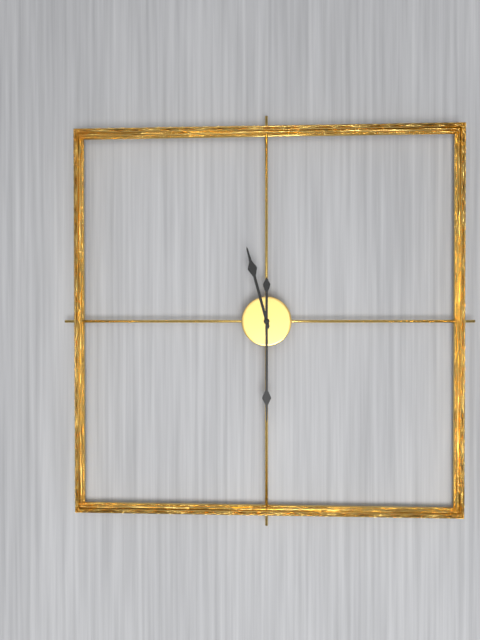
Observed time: 11:30
